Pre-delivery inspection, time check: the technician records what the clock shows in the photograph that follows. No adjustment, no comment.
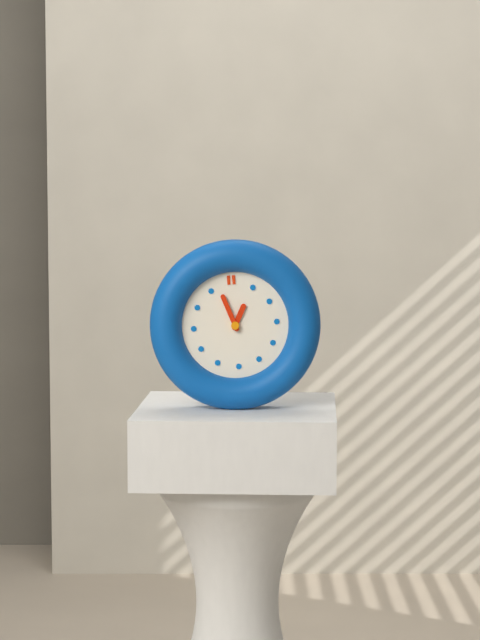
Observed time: 12:57
